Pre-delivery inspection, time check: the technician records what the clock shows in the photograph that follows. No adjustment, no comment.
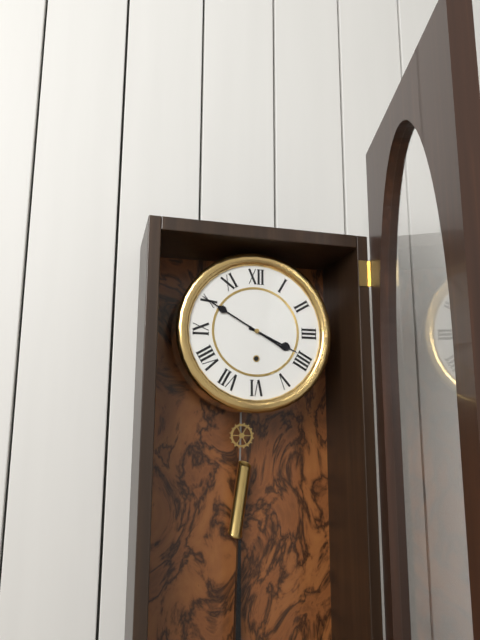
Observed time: 3:50
